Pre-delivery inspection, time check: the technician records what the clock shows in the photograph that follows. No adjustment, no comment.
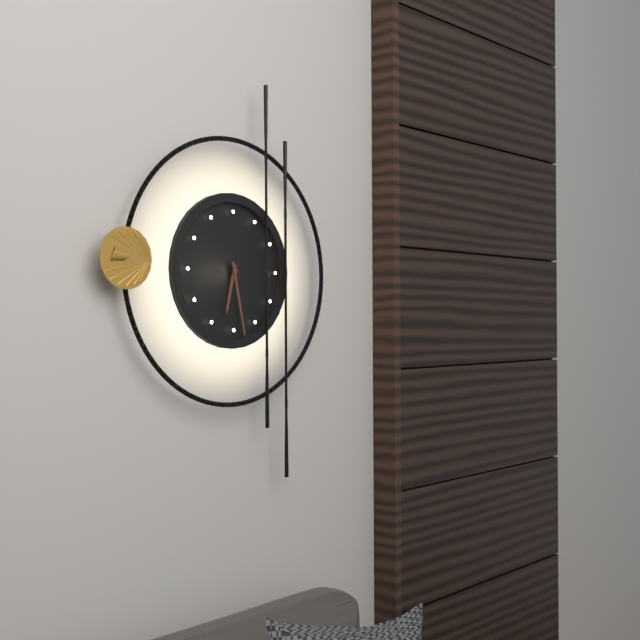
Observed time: 6:28
